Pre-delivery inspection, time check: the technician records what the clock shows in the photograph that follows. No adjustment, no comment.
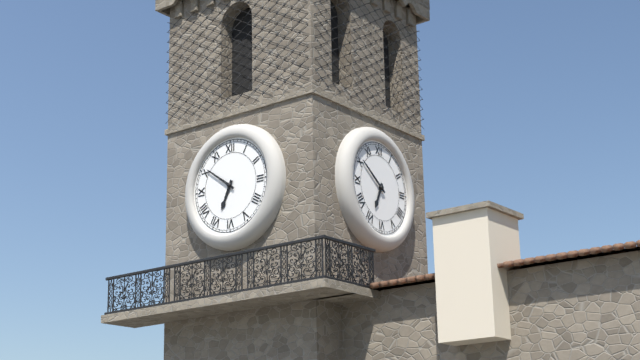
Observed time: 6:51
